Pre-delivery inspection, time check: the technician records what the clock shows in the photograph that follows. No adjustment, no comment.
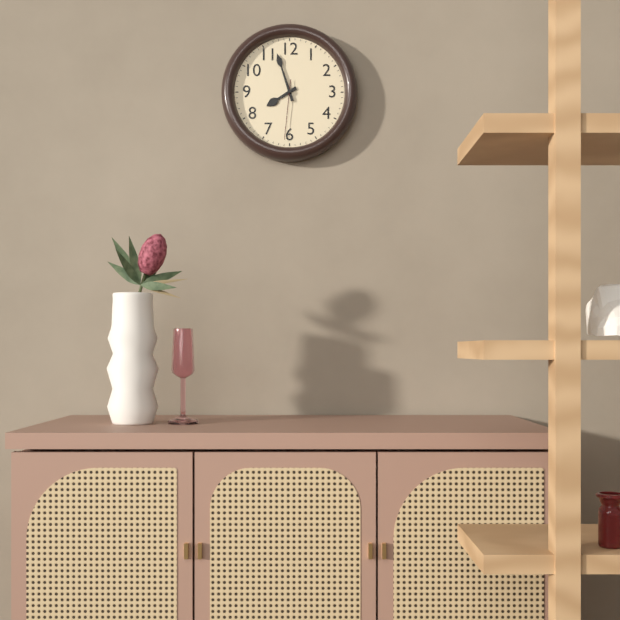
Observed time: 7:57:31
